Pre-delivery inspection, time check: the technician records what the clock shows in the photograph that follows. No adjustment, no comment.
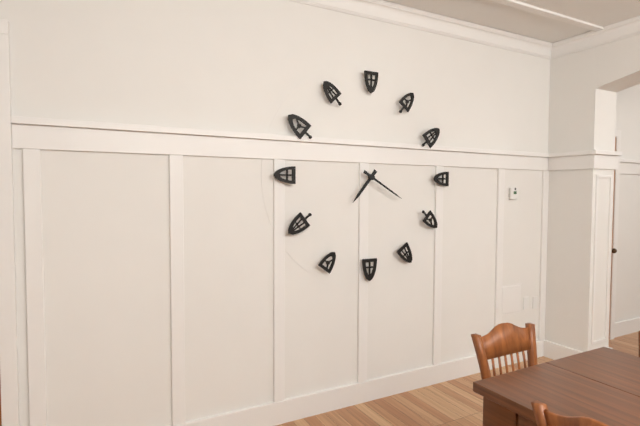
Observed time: 7:20
